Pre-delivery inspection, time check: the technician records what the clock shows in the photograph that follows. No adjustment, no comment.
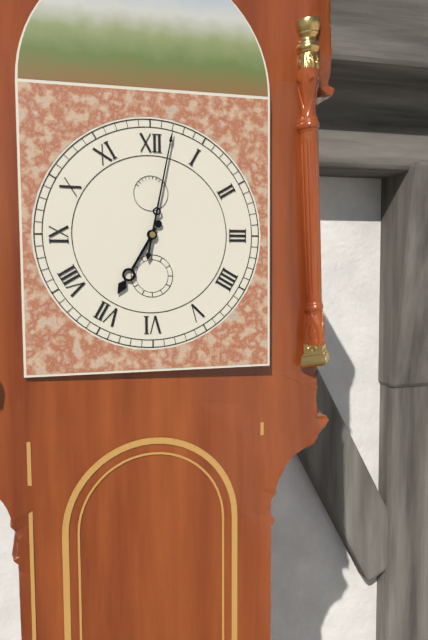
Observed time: 7:02
